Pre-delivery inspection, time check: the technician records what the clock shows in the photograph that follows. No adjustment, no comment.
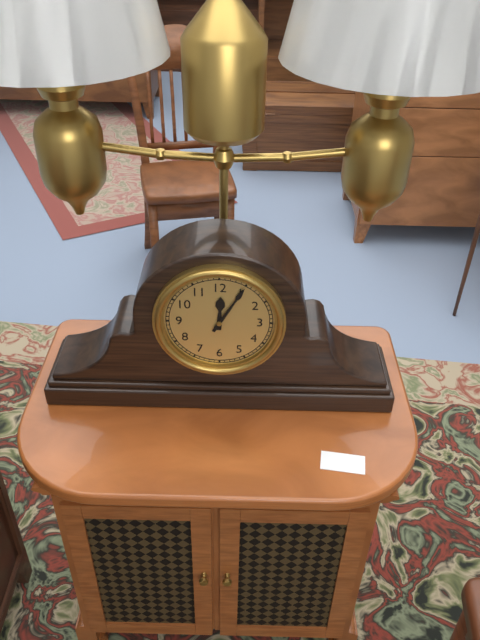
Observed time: 12:05
